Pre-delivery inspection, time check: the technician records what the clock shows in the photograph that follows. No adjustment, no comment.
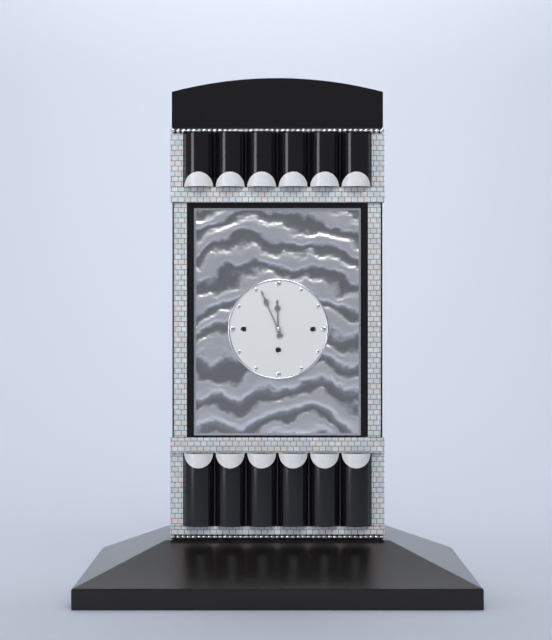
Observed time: 11:56
